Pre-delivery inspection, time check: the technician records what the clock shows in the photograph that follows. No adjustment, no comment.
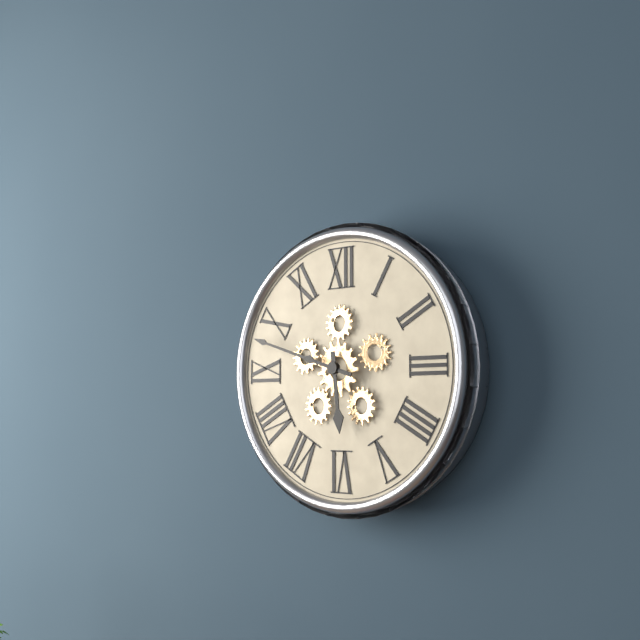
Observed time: 5:48
